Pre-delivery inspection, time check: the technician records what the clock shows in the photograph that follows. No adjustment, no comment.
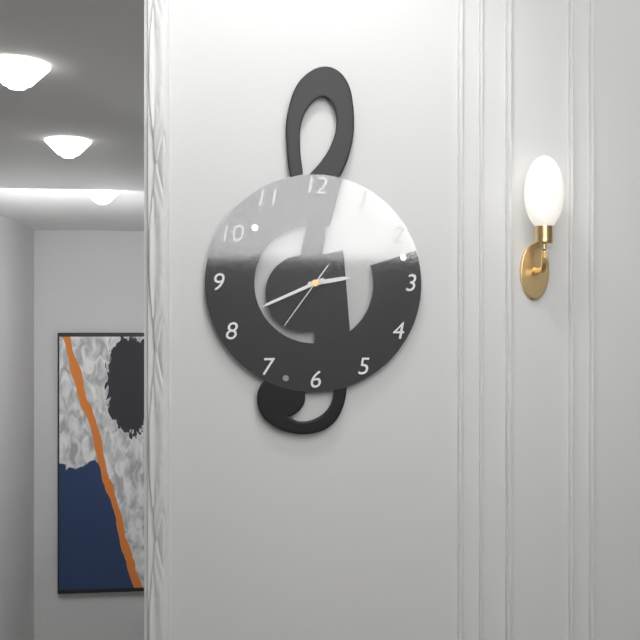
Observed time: 2:41:36
